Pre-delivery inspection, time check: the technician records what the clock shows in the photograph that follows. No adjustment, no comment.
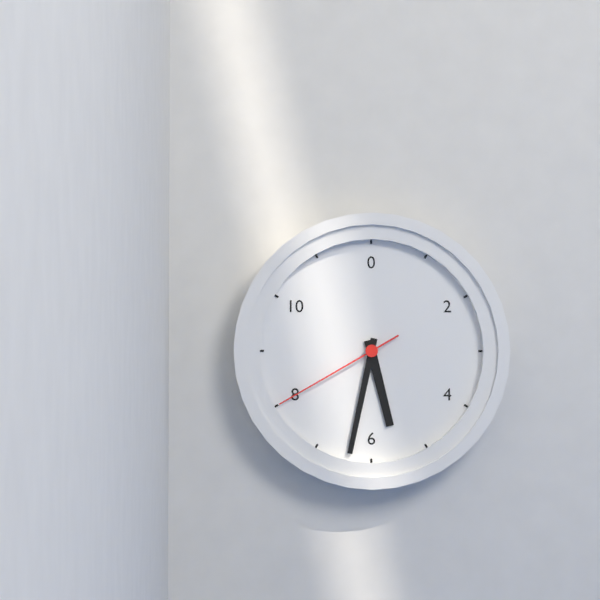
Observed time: 5:32:40
